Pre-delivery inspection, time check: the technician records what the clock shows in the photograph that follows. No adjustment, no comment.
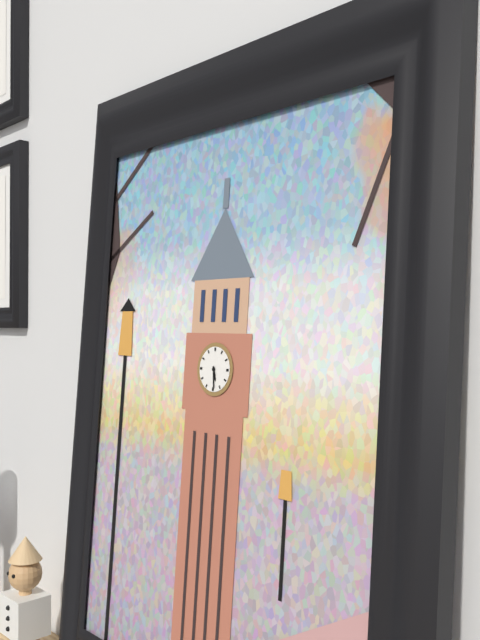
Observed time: 5:29
